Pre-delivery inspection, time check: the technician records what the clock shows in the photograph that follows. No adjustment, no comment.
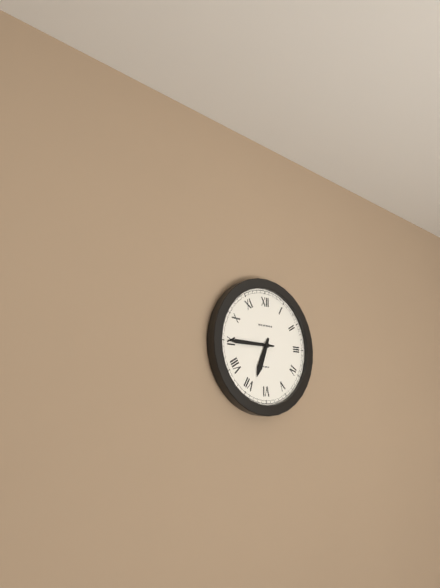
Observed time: 6:45
